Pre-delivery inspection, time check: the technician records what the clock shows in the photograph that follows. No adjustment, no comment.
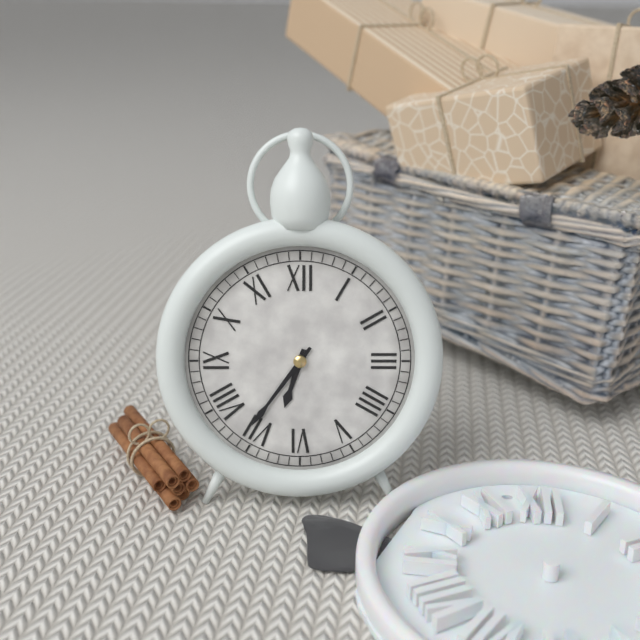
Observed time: 6:36
